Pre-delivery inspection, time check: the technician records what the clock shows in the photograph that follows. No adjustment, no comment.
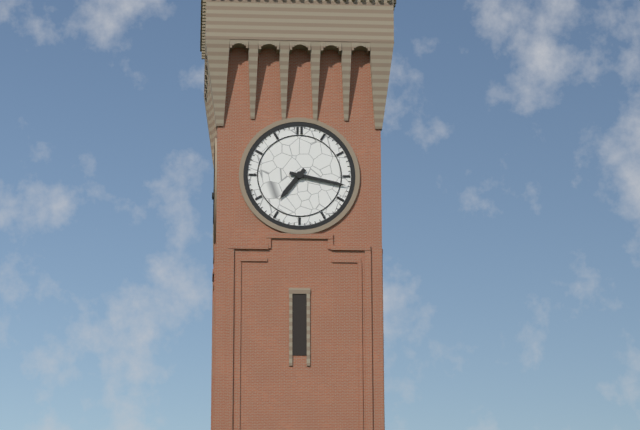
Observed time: 7:17
